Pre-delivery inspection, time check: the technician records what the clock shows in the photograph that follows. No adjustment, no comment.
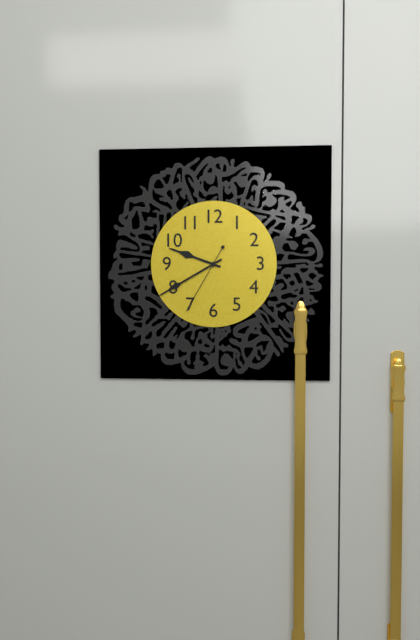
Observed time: 9:40:35
